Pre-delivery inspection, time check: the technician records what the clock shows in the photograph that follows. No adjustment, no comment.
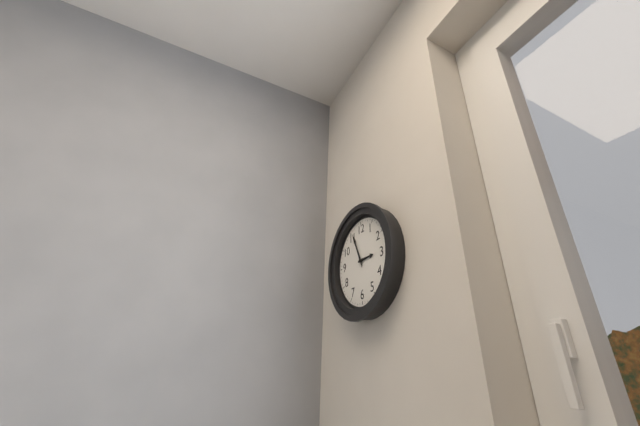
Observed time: 2:56
